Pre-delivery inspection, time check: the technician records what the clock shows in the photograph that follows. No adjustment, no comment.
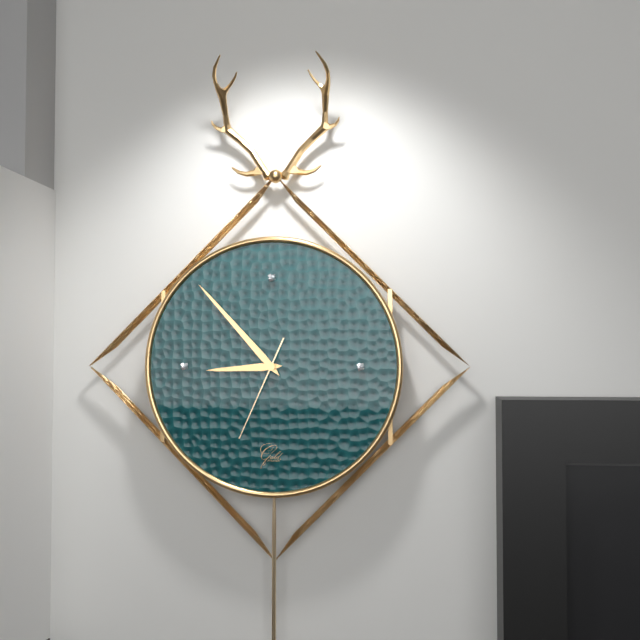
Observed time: 8:53:34
